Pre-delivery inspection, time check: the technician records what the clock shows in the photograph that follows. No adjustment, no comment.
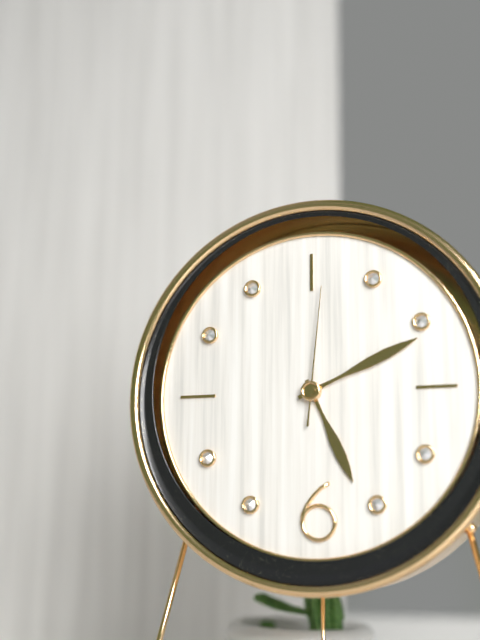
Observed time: 5:11:01
